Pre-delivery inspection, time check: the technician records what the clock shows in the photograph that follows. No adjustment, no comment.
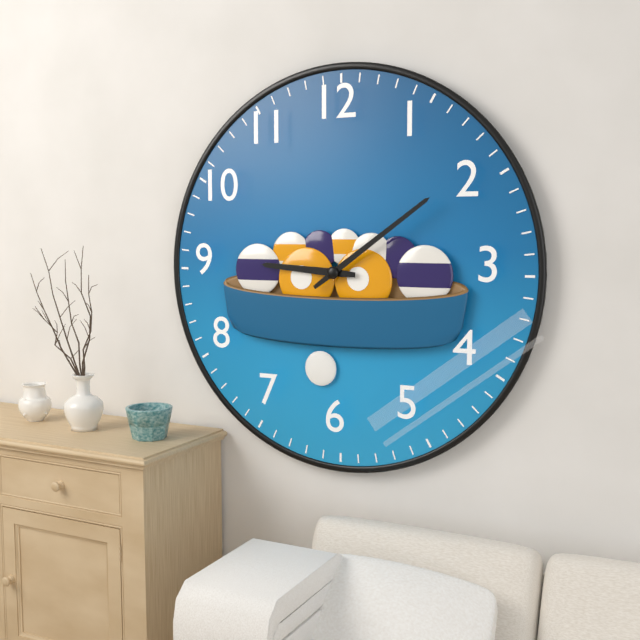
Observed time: 9:09
